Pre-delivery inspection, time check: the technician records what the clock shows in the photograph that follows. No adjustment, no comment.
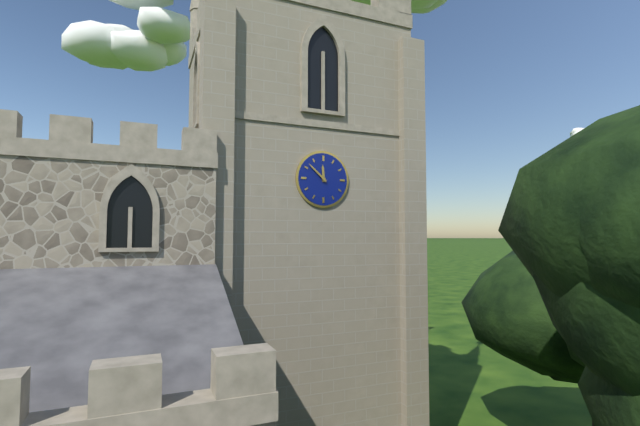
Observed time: 11:52
